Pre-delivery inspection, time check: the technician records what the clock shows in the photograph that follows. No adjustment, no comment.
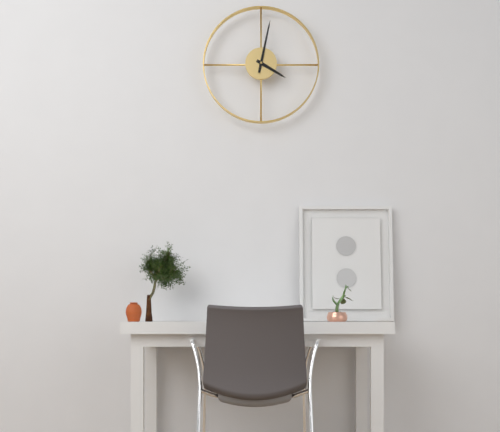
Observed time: 4:02
